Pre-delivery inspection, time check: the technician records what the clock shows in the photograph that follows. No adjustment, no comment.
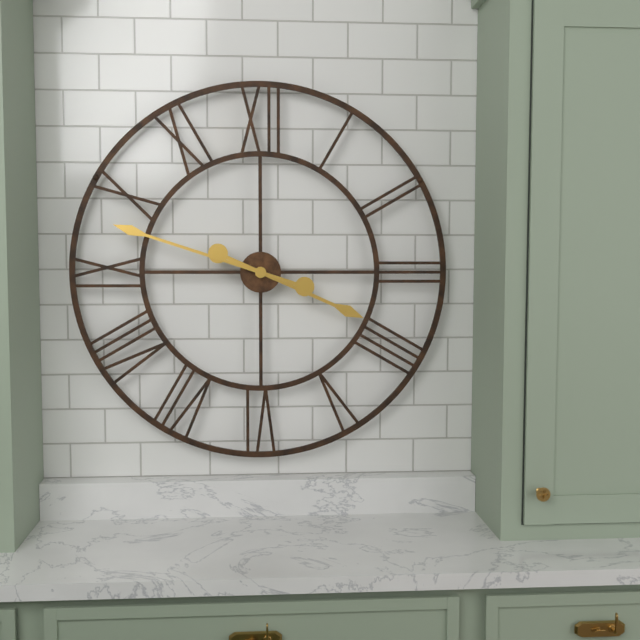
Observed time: 3:48
